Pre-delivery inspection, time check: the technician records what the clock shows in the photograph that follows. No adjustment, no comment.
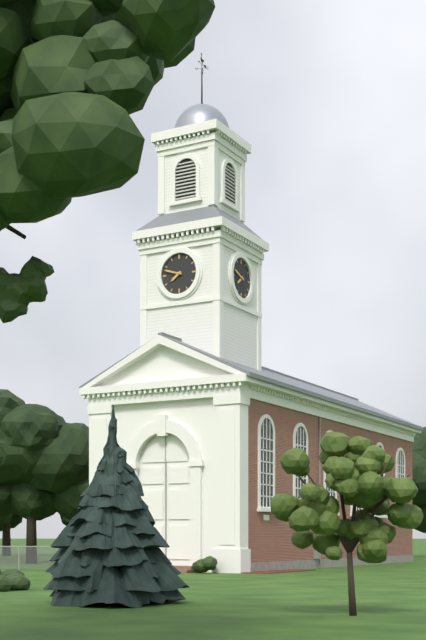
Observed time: 7:48
